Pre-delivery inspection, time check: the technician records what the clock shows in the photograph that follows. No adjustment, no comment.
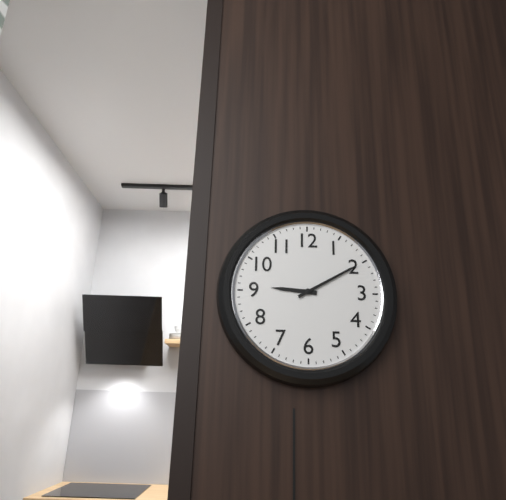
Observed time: 9:10
